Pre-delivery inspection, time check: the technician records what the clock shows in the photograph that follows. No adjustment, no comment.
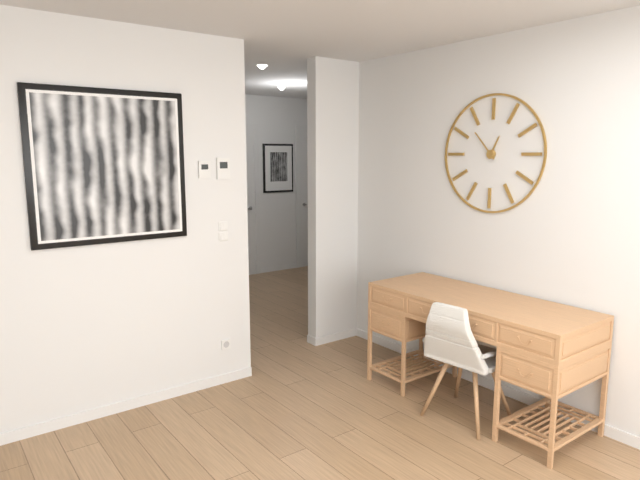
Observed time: 12:53
